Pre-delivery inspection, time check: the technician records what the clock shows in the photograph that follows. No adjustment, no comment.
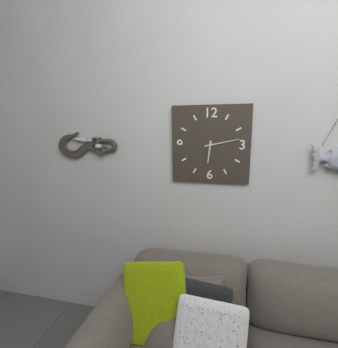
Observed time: 6:13
